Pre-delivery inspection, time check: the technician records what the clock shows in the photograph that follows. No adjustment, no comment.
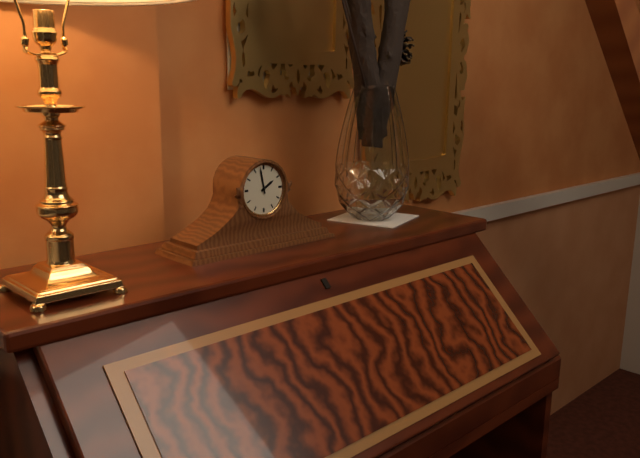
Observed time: 1:58
